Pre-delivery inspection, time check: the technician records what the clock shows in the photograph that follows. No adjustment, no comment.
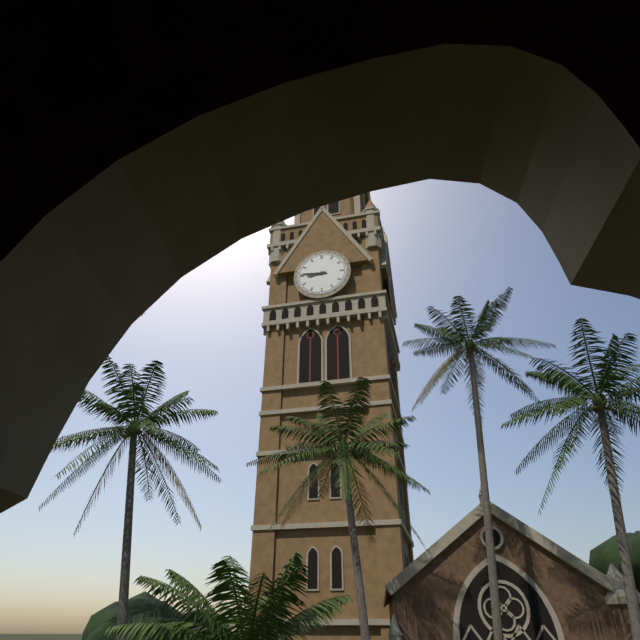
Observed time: 8:46
